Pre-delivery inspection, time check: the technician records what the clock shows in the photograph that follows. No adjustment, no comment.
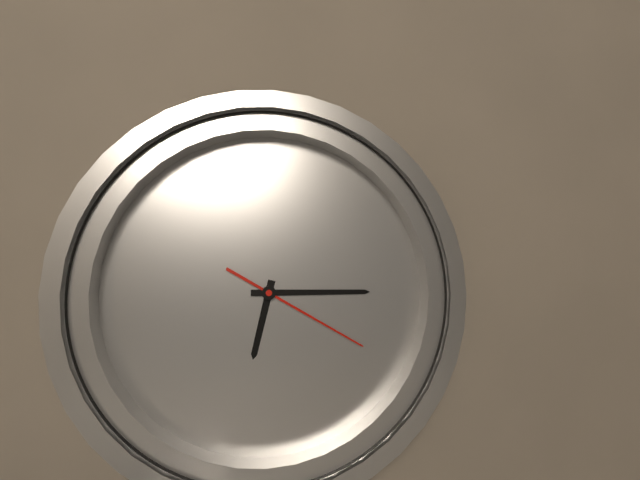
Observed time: 6:14:19
